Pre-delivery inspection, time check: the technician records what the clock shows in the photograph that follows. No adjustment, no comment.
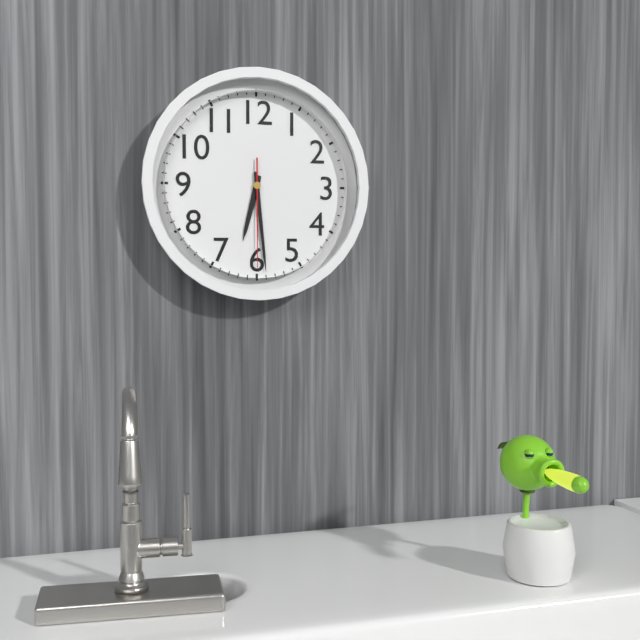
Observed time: 6:29:30
